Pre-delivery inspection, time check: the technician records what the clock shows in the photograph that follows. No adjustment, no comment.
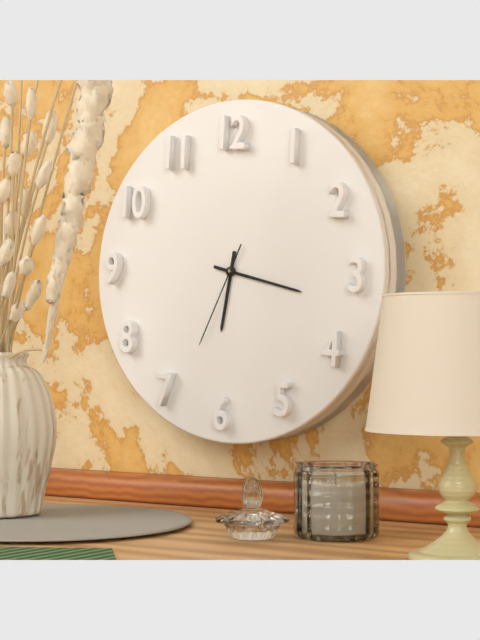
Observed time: 6:17:34
